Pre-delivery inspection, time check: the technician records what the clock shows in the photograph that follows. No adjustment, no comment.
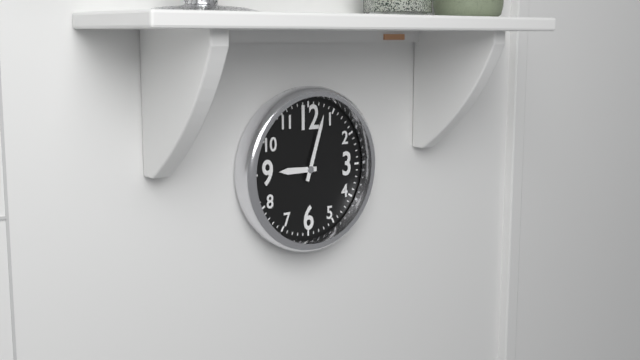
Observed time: 9:03
